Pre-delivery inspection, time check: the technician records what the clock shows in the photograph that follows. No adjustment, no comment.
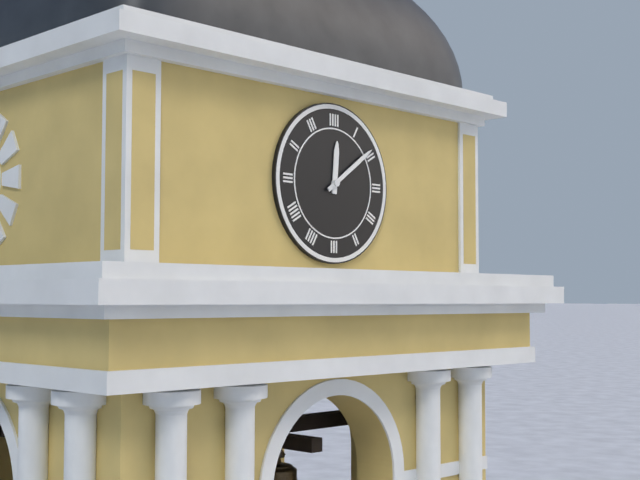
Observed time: 12:09
